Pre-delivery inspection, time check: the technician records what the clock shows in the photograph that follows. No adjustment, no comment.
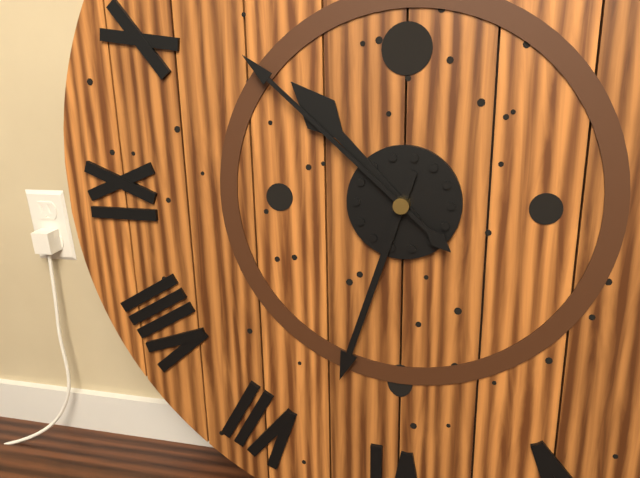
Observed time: 10:33:52
